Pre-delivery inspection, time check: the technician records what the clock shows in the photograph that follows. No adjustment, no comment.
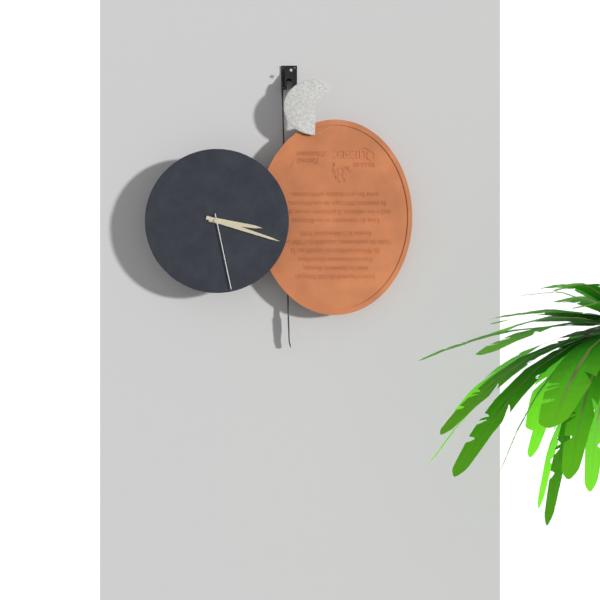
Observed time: 3:18:28
